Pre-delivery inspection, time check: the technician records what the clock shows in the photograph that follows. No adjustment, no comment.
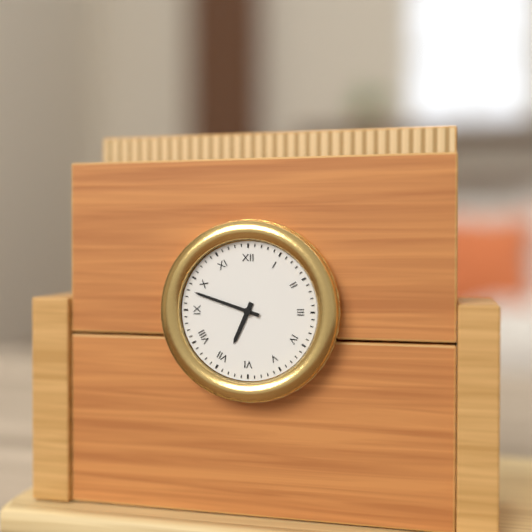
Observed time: 6:48
